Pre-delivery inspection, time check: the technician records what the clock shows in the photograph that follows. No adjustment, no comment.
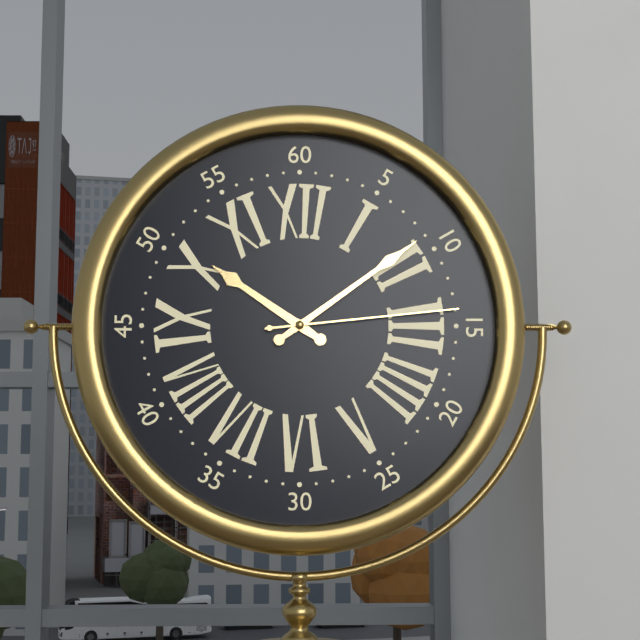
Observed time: 10:09:14
